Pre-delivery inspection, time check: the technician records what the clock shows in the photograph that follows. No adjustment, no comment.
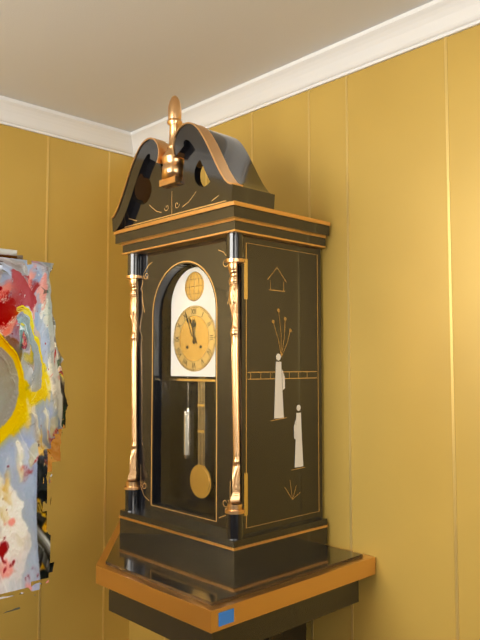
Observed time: 11:56
